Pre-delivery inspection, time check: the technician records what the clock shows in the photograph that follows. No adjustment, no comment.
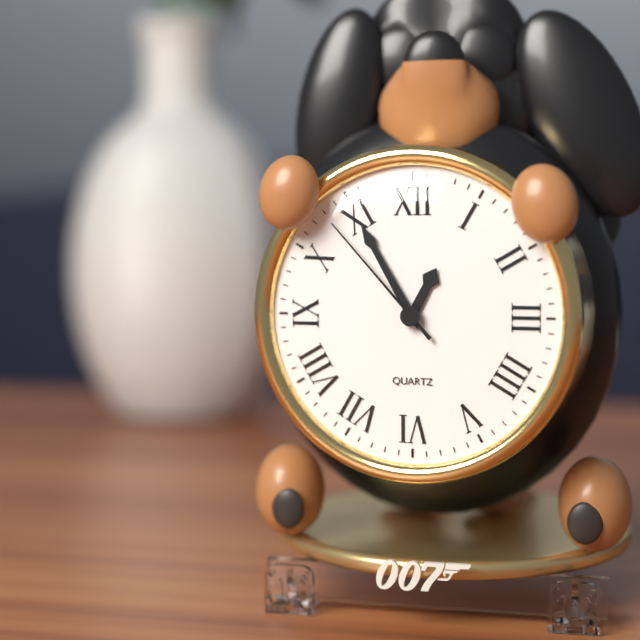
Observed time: 12:55:53
